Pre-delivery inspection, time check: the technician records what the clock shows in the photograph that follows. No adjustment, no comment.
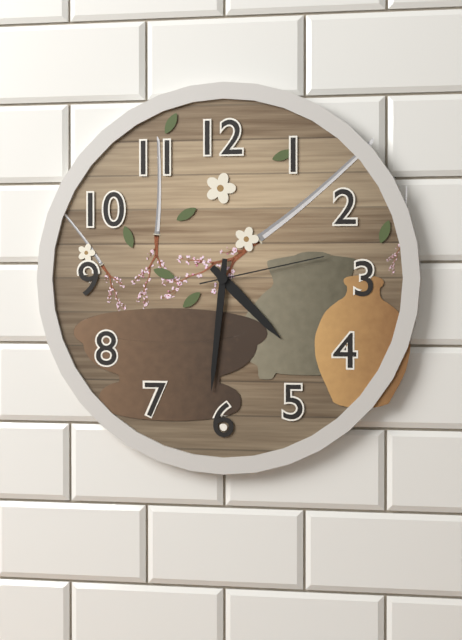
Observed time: 4:31:13
